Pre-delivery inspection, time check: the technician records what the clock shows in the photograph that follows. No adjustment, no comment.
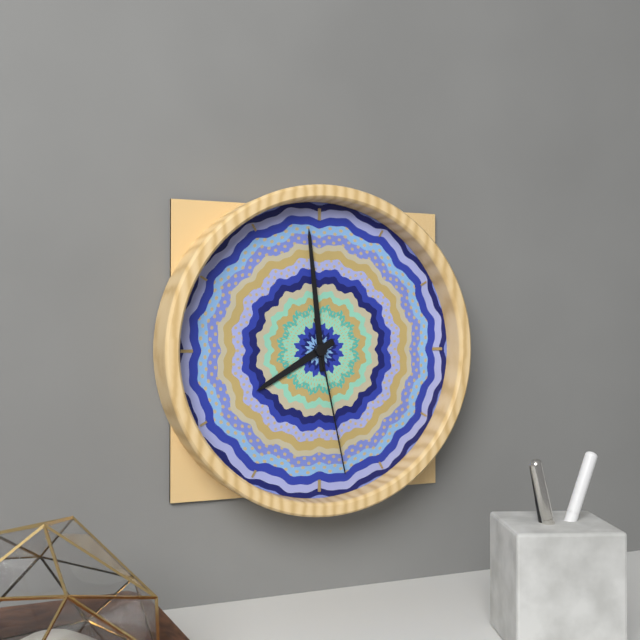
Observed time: 7:59:28
